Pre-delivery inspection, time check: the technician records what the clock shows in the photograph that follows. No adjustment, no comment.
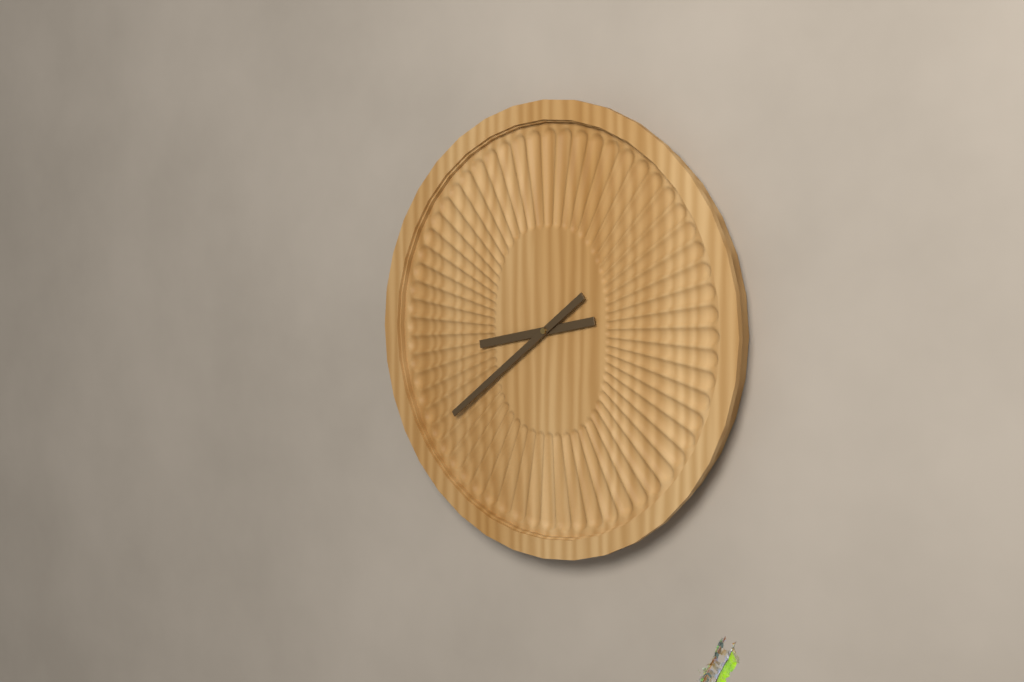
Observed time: 8:39
